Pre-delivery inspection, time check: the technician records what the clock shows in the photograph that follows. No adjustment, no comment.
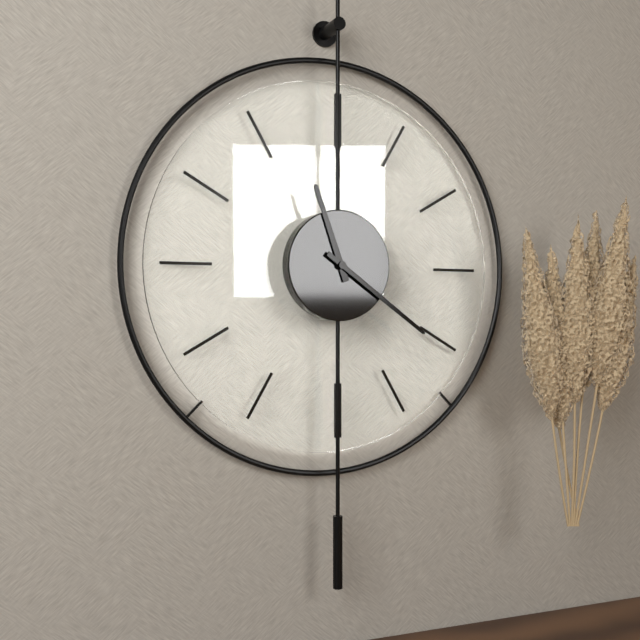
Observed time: 11:21
